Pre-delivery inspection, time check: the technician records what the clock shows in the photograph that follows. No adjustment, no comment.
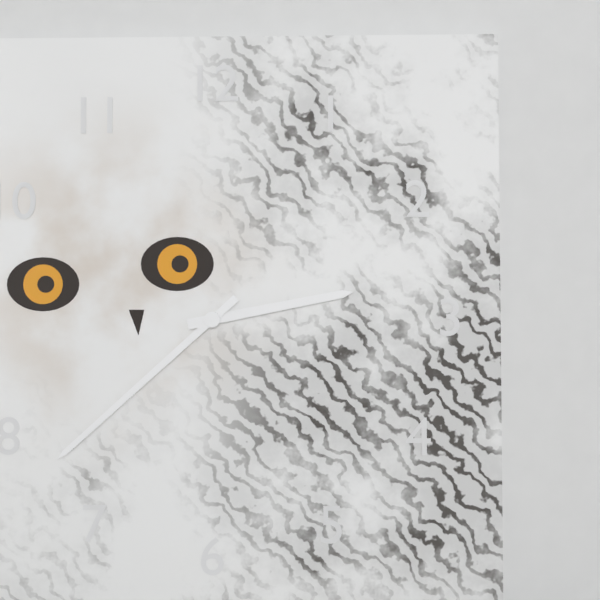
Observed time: 2:38
